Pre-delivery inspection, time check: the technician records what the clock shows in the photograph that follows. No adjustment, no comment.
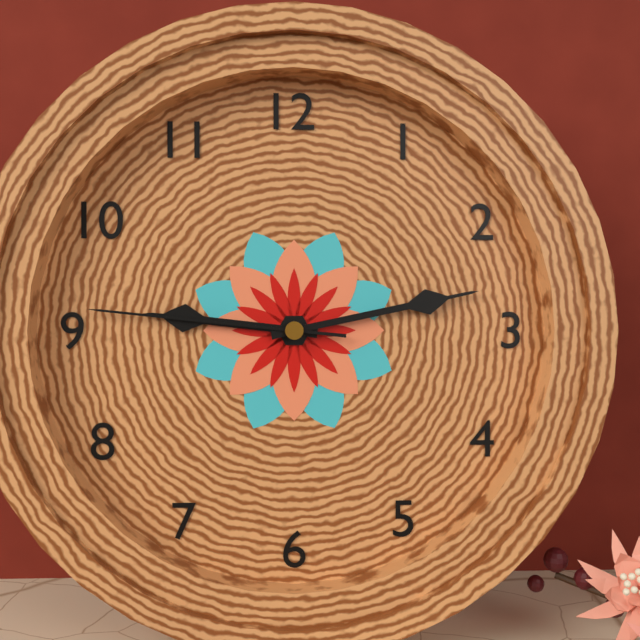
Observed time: 9:13:46
